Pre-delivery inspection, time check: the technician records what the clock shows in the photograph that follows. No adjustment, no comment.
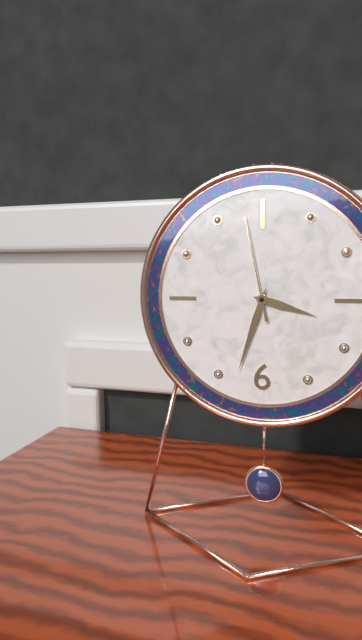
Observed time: 3:33:58
